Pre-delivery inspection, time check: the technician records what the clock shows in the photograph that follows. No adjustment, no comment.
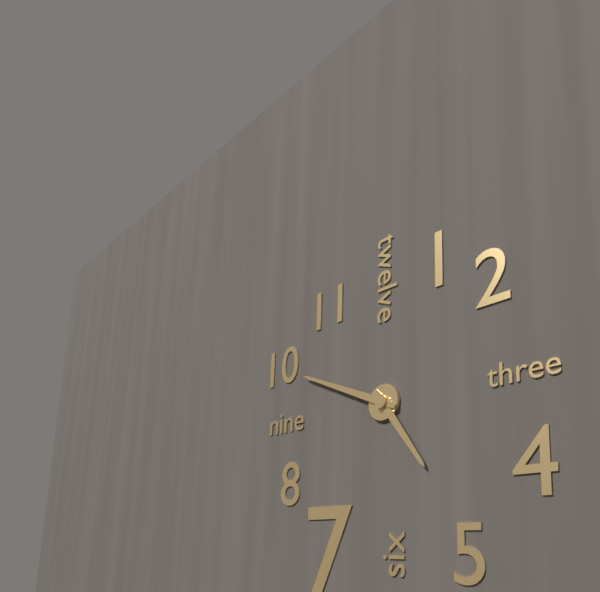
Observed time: 4:49
